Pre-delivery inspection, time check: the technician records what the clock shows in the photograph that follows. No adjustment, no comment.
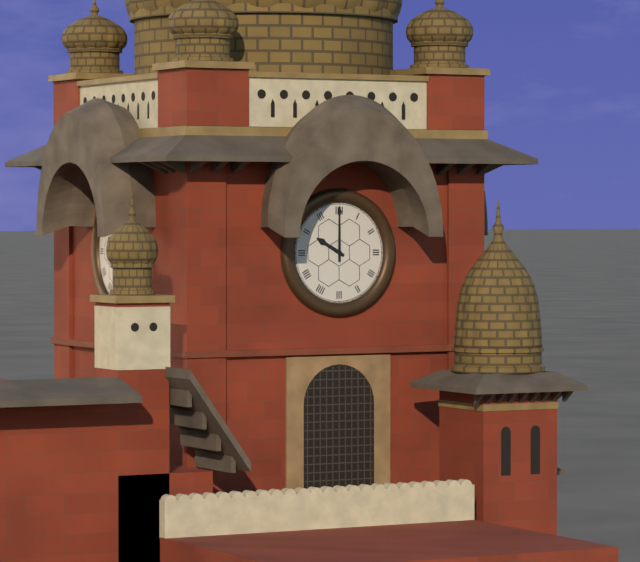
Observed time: 10:00
